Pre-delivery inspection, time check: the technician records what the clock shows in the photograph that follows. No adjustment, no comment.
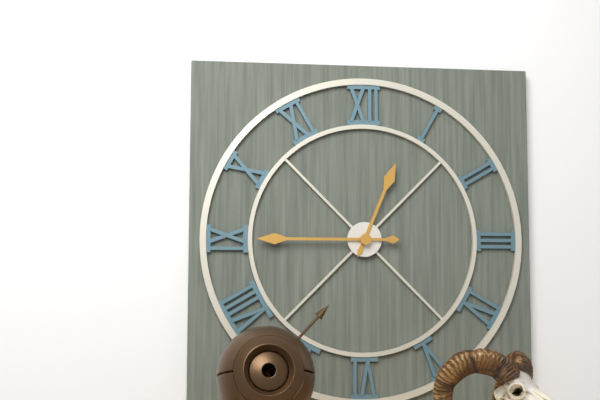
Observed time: 12:45
